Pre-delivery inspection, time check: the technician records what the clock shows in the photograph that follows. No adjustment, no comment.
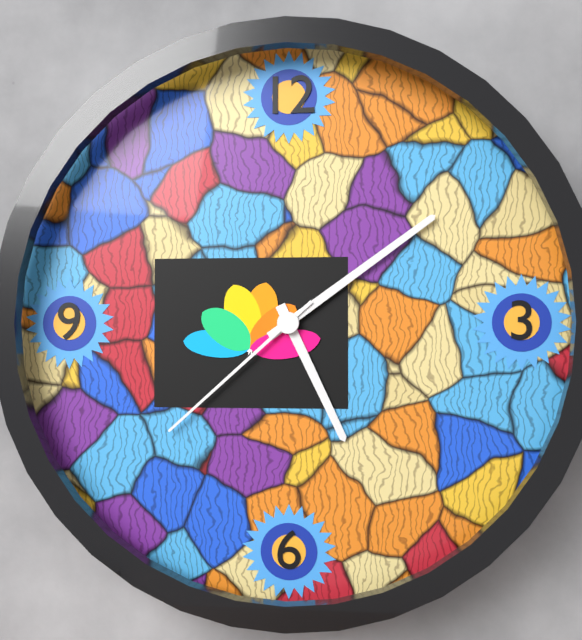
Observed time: 5:09:38
